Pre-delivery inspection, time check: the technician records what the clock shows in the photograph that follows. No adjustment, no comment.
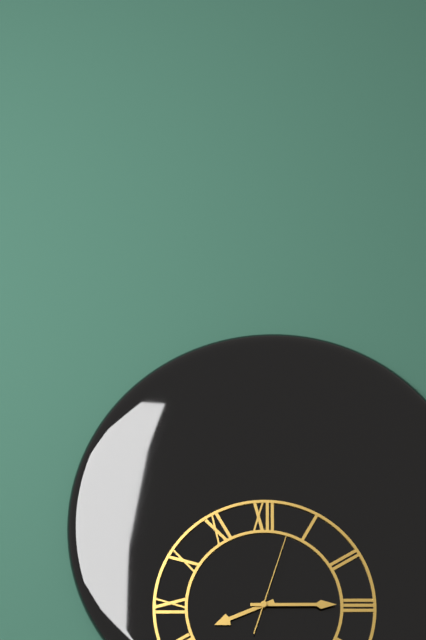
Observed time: 8:15:03
